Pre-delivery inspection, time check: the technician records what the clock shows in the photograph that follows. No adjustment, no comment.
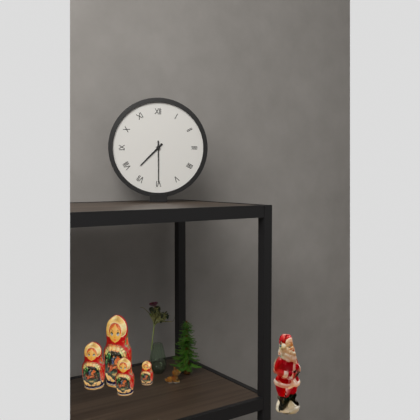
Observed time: 7:30
